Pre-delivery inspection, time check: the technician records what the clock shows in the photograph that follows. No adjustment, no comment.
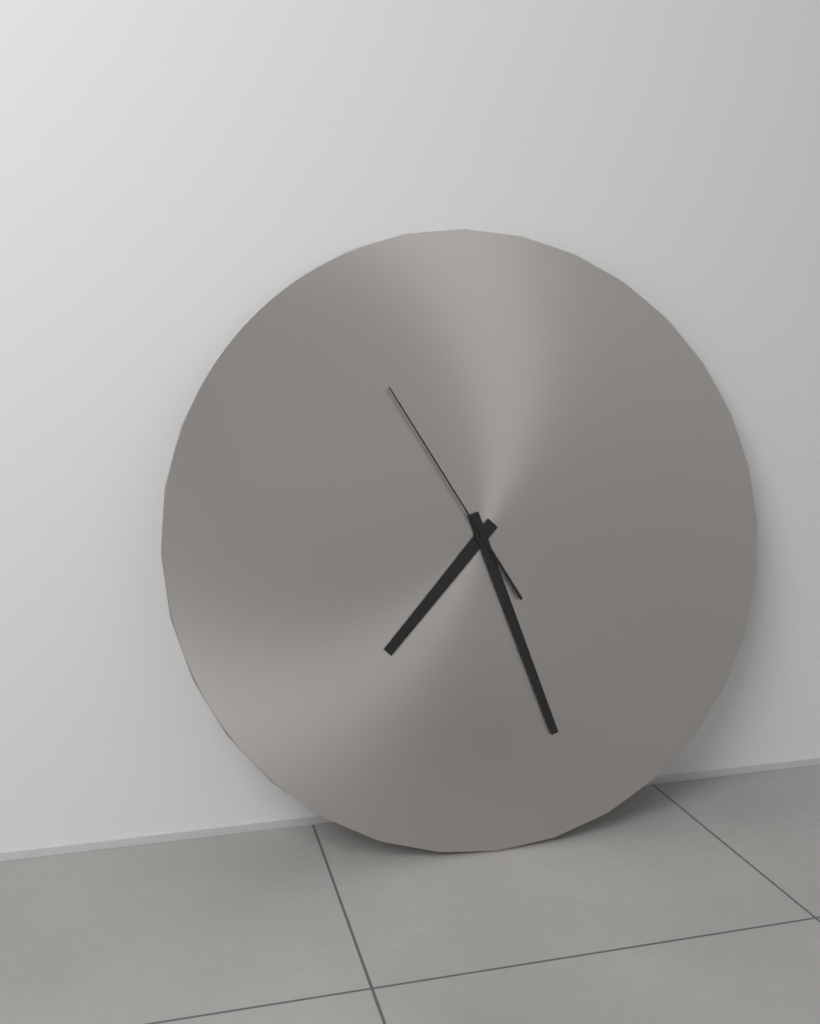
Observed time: 7:27:55
